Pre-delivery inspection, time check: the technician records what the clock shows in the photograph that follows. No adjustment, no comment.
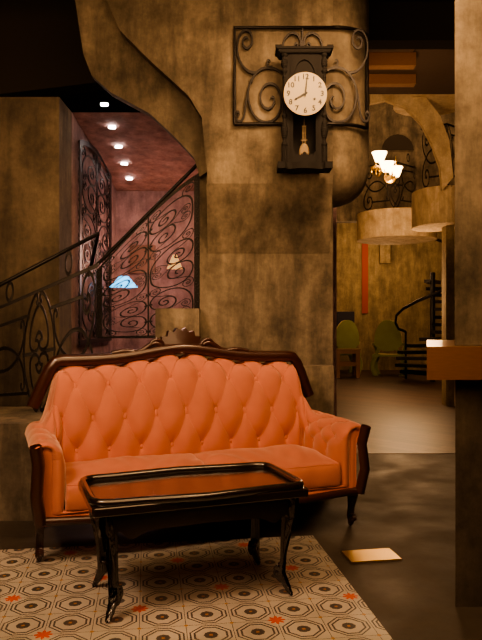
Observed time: 8:01
